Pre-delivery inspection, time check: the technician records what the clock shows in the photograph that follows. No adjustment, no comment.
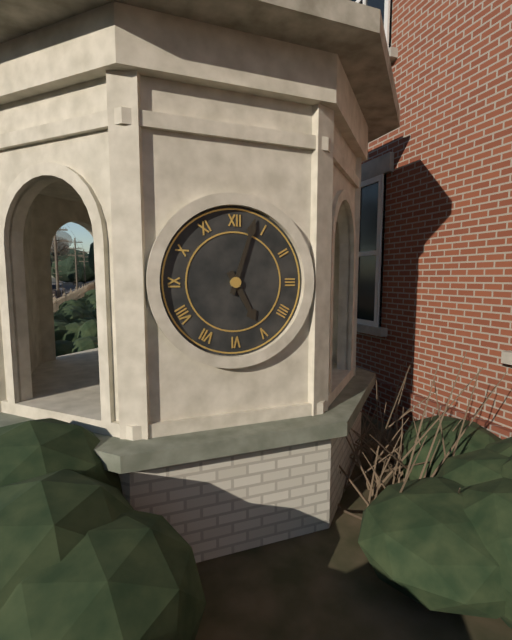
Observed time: 5:03
